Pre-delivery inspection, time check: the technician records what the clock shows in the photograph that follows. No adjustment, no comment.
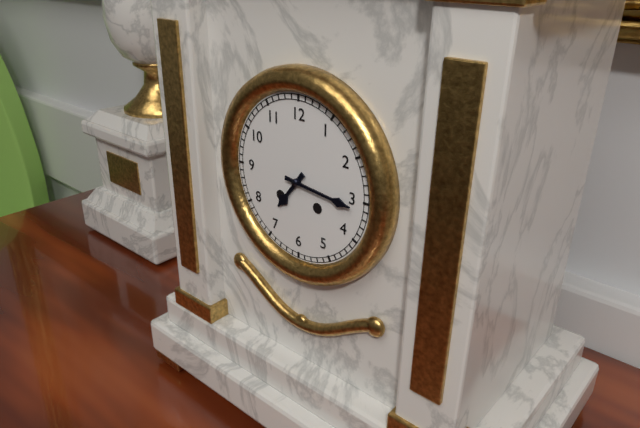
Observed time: 7:16
